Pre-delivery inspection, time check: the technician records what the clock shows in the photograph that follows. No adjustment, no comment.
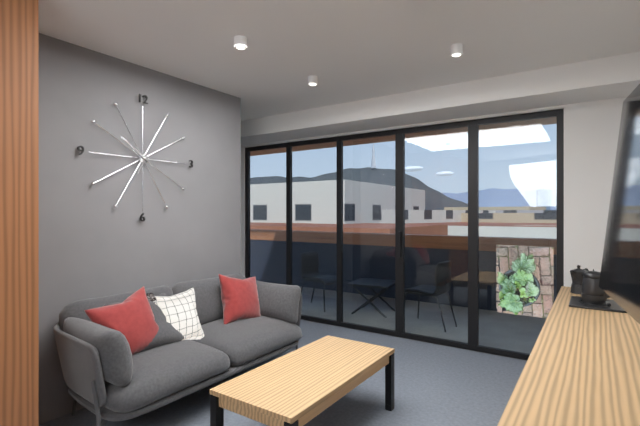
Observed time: 6:51
